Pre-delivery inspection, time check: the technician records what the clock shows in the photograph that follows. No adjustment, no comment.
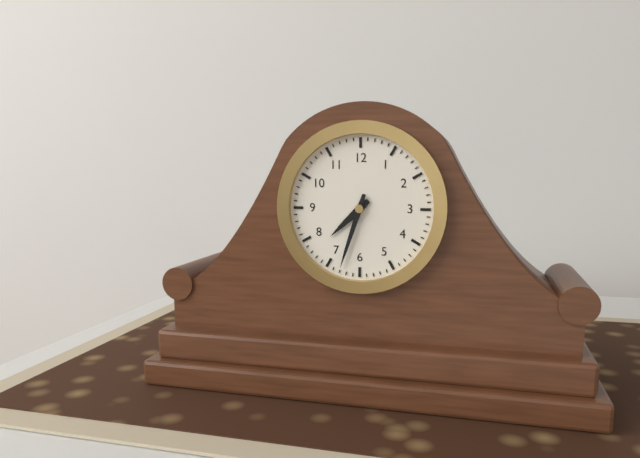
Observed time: 7:33
